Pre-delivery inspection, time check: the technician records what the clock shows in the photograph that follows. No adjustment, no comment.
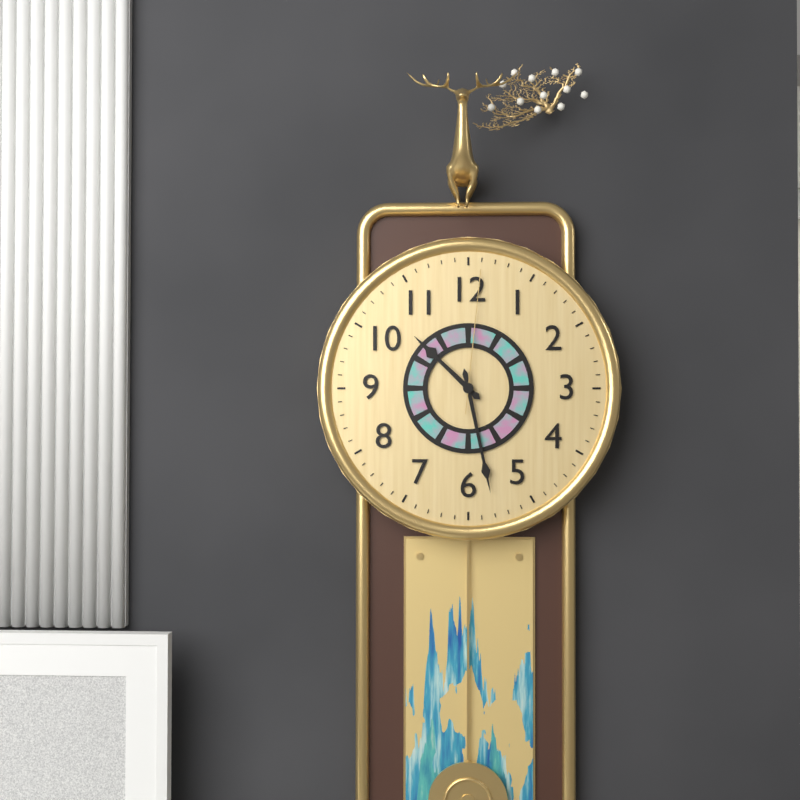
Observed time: 10:28:01
